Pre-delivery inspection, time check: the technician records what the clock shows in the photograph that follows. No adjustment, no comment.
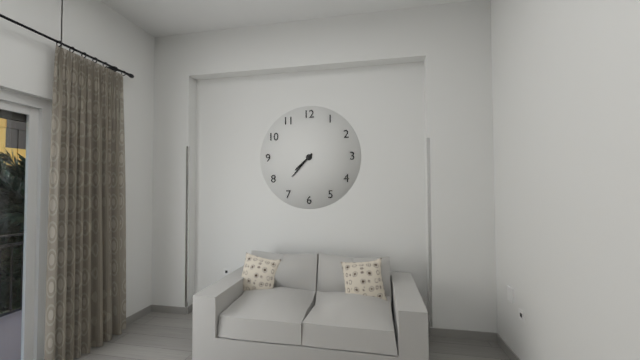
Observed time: 7:37
